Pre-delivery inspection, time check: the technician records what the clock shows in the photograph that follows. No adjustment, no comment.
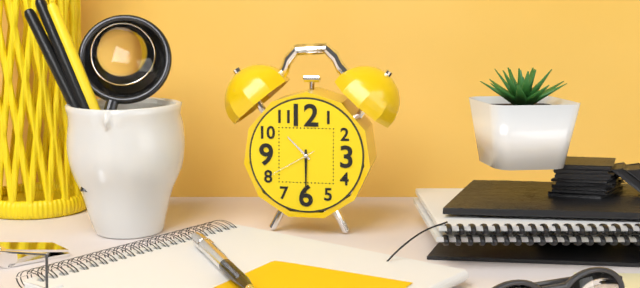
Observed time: 10:30:40
